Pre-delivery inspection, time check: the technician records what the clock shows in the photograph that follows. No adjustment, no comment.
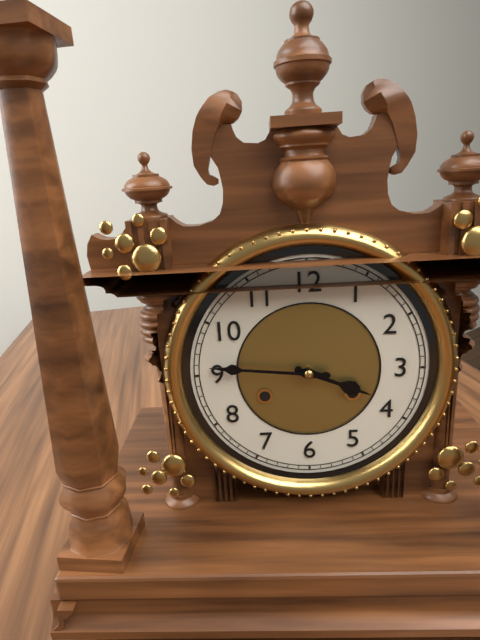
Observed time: 3:46
